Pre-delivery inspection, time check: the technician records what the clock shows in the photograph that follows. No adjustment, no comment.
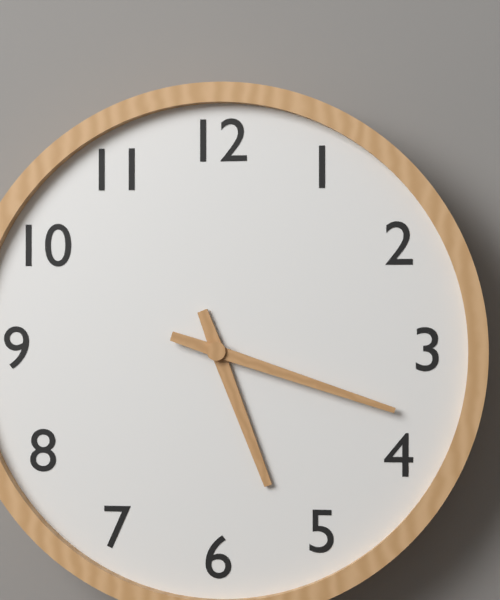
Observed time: 5:18
